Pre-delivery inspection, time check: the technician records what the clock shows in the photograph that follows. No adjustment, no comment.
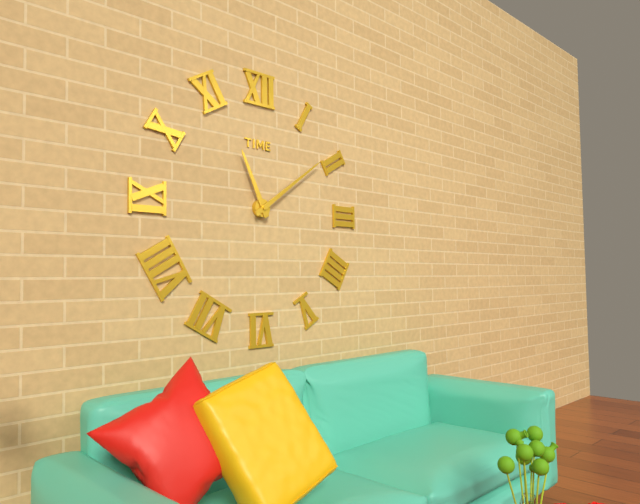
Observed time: 11:09
